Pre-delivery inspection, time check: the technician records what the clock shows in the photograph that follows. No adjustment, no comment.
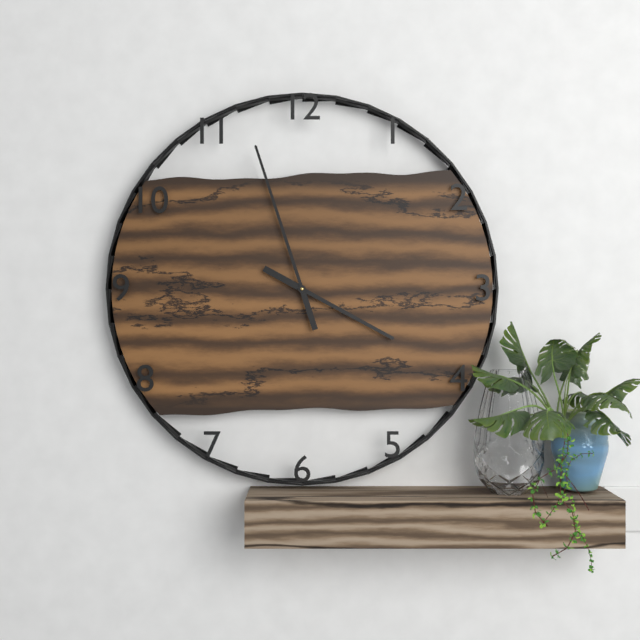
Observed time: 3:57
